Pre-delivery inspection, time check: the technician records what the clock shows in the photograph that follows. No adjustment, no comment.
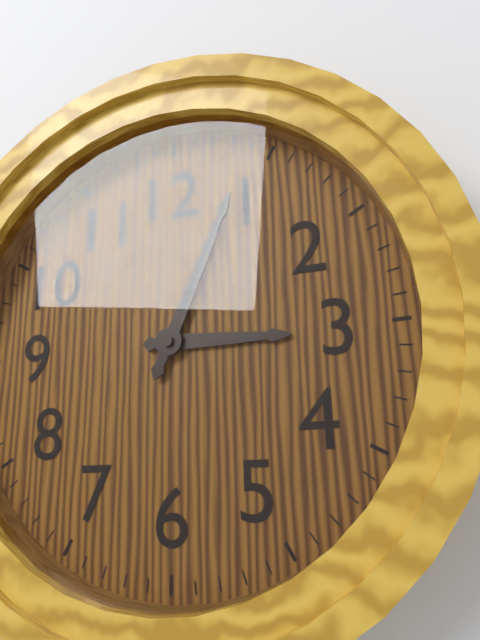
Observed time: 3:04
